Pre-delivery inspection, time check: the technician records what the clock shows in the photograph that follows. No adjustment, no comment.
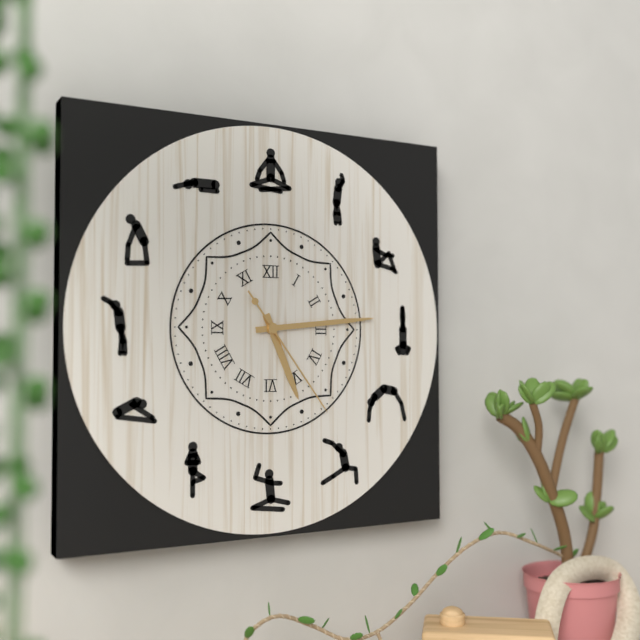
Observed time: 5:14:24
